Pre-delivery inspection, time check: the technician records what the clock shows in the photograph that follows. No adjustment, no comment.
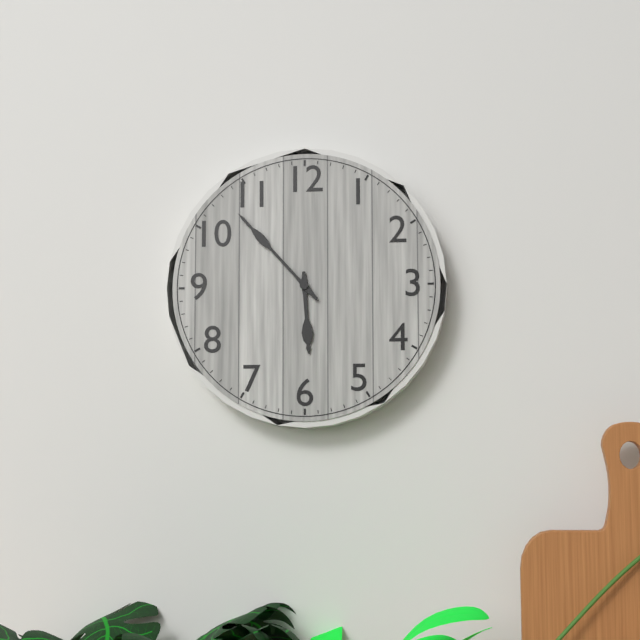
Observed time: 5:53
